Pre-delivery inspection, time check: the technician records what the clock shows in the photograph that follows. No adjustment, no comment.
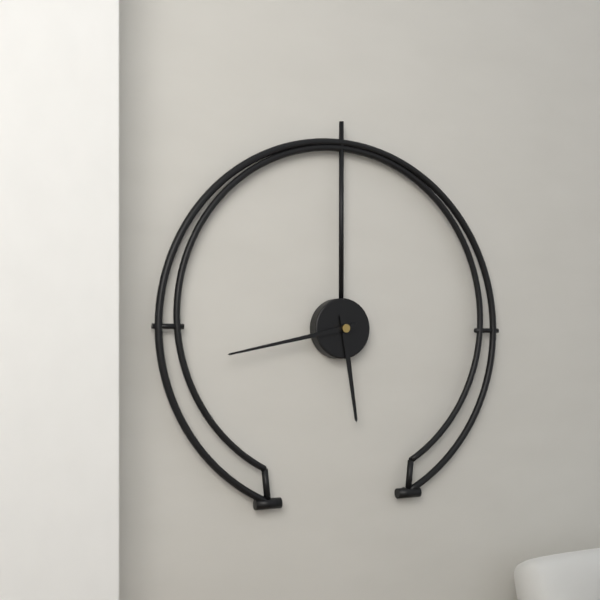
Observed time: 5:43
